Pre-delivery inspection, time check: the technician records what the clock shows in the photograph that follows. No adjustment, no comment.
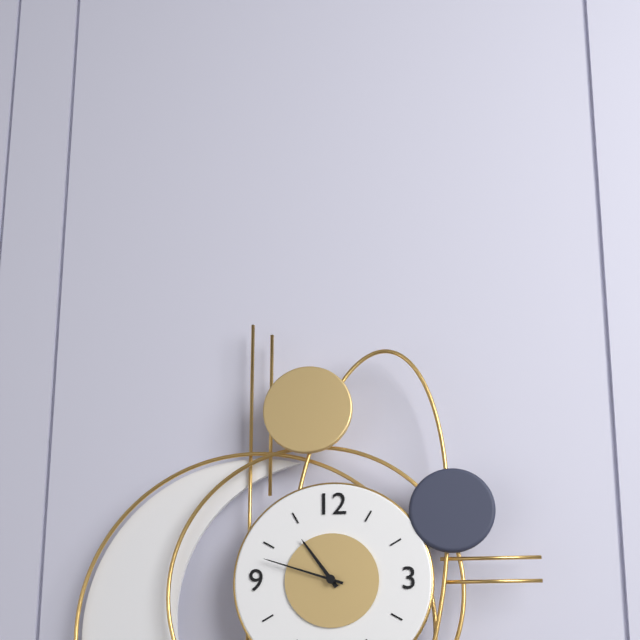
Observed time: 10:48
